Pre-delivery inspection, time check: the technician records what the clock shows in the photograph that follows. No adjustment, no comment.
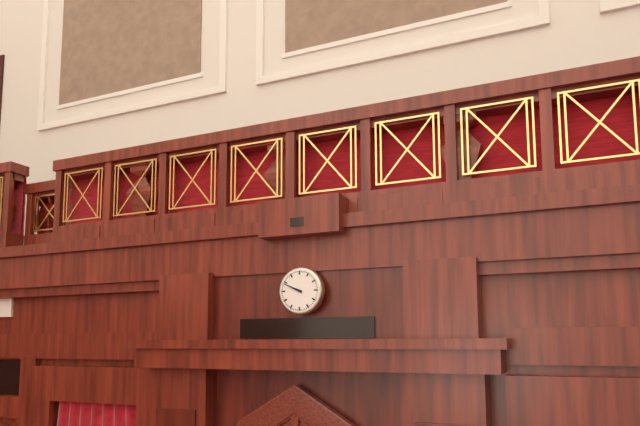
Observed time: 9:49
